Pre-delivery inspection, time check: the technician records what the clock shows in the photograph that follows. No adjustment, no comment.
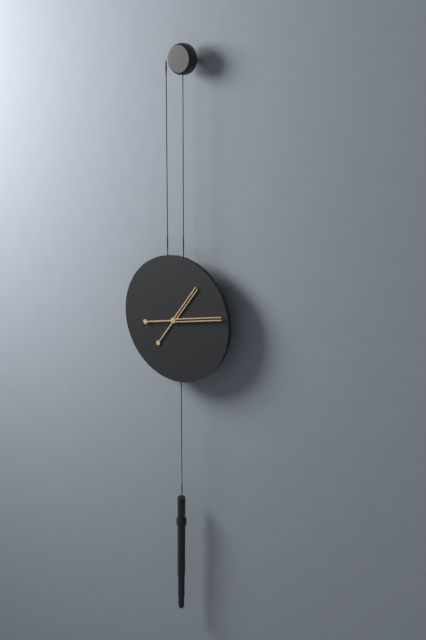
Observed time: 1:13
